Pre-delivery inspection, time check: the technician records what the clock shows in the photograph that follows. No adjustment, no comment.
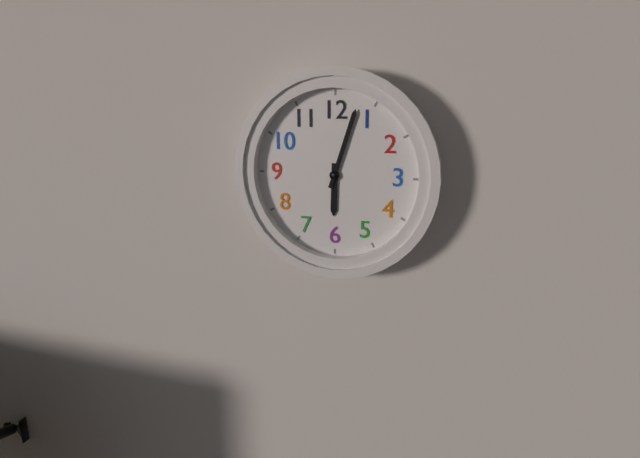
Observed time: 6:03
